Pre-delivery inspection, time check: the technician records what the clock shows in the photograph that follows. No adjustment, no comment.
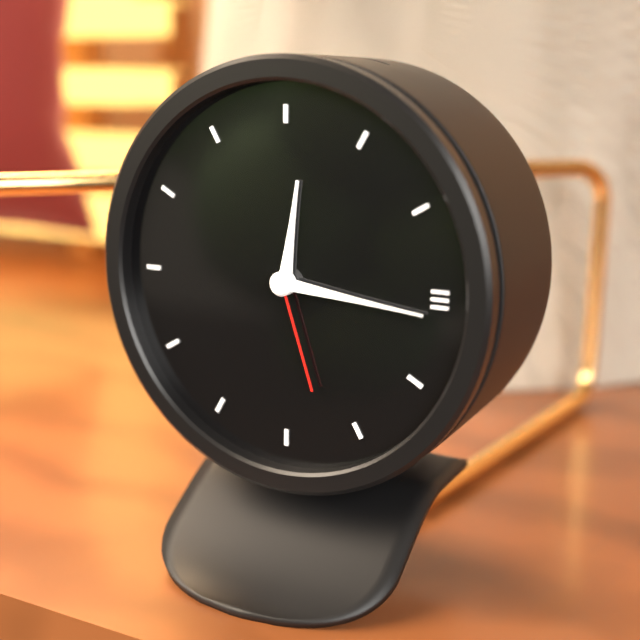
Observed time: 12:16:27
